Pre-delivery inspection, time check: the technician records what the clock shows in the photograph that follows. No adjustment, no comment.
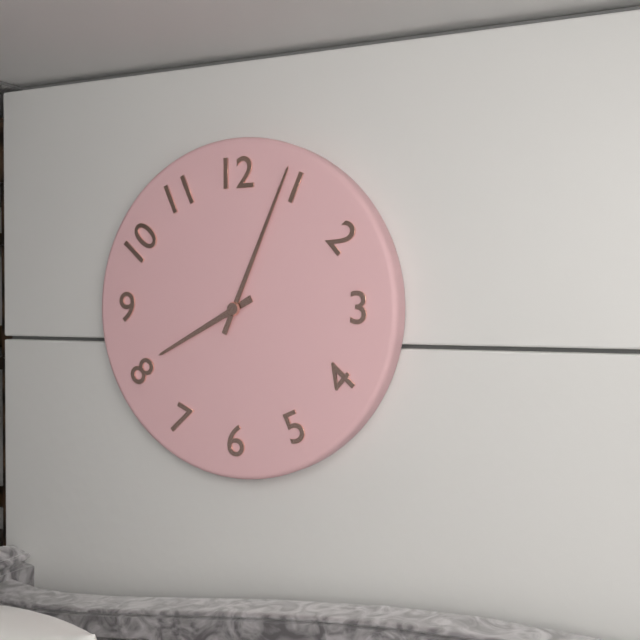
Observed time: 8:04
